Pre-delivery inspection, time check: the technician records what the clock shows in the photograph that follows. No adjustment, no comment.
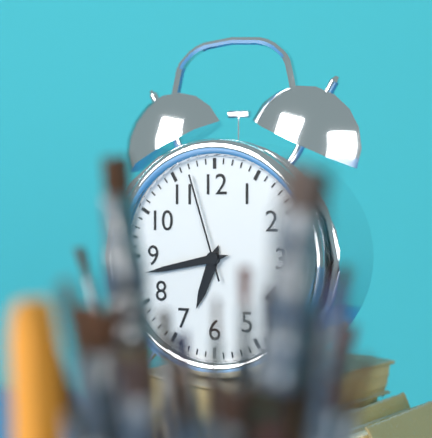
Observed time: 6:43:57
